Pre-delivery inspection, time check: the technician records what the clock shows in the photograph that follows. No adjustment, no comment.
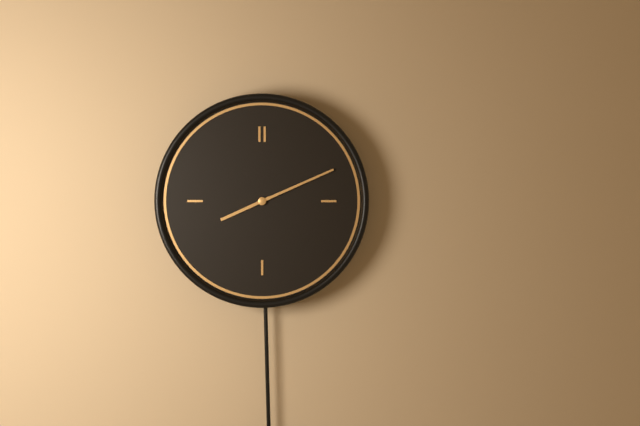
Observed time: 8:11
